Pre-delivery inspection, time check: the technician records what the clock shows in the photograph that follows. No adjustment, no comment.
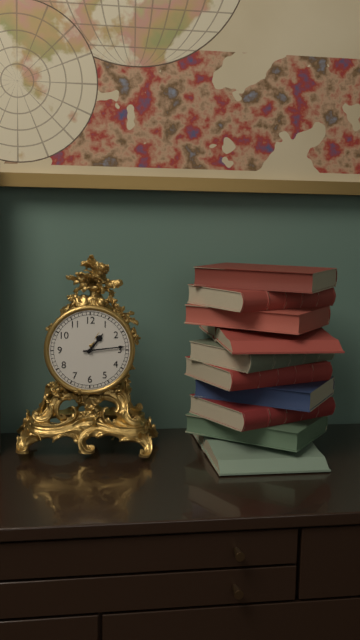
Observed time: 1:14
